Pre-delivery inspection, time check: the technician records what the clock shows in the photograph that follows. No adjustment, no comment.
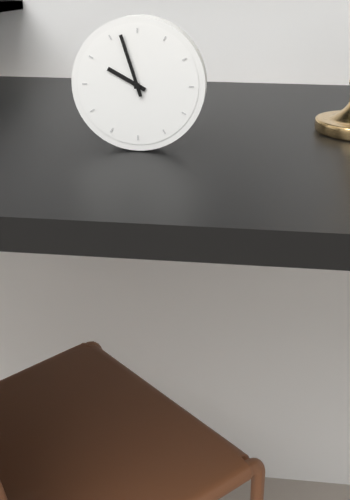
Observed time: 9:57
